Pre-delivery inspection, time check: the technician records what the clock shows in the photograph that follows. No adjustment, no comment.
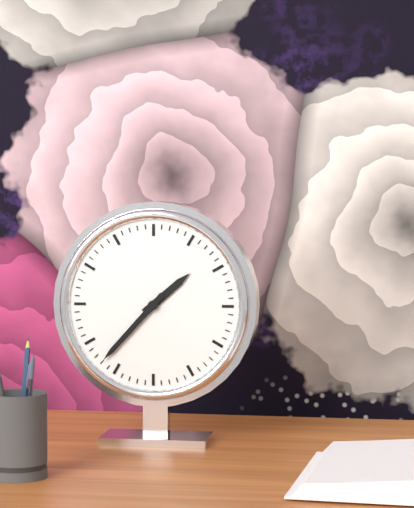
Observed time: 1:37
